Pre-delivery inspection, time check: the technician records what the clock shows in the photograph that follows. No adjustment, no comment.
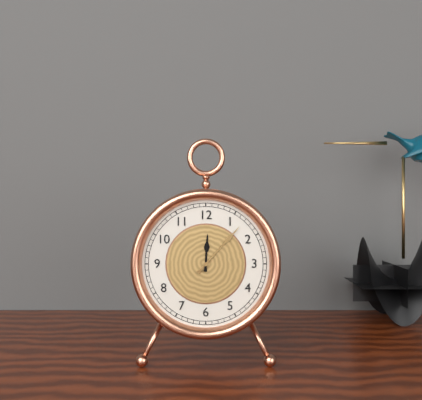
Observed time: 12:07
